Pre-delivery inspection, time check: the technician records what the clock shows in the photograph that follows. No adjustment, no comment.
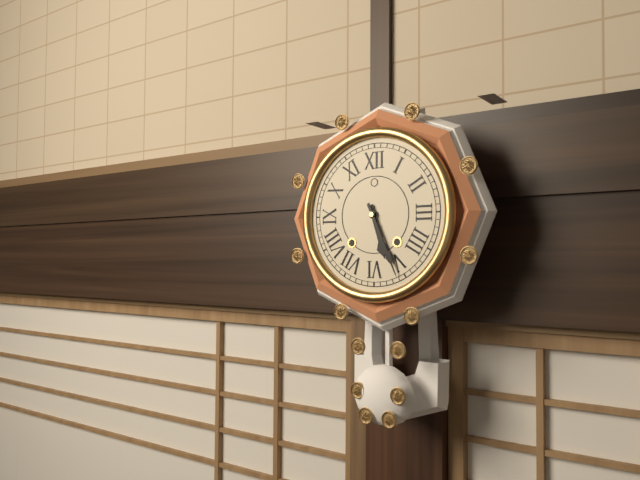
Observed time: 5:26
